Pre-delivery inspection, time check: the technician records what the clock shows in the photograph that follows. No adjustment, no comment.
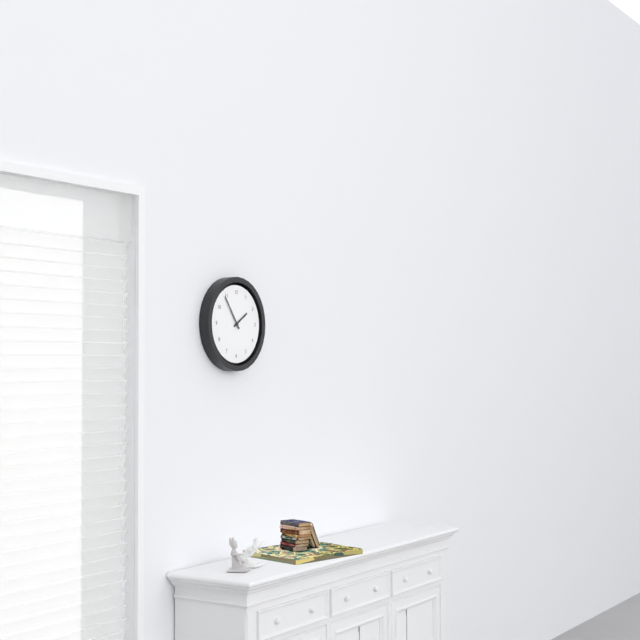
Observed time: 1:54
